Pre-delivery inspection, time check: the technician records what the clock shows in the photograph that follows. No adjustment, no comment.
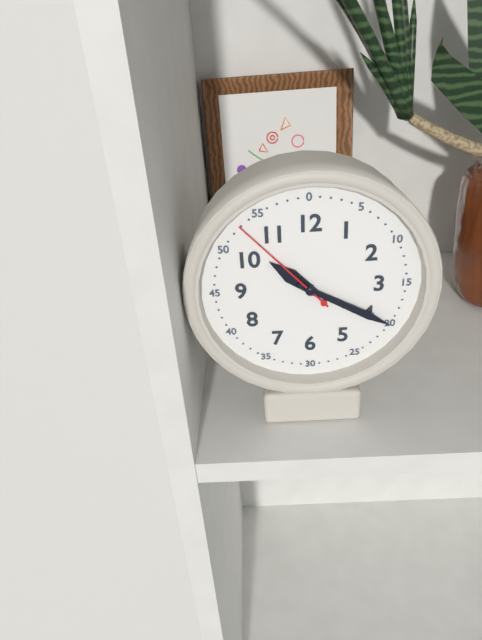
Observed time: 10:20:53
